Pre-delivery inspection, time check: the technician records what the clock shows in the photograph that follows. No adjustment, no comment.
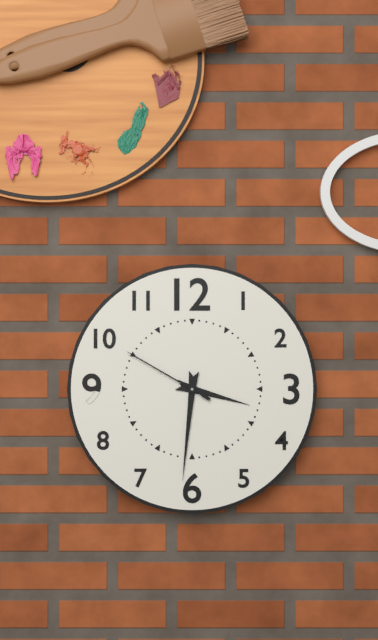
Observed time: 3:31:50
